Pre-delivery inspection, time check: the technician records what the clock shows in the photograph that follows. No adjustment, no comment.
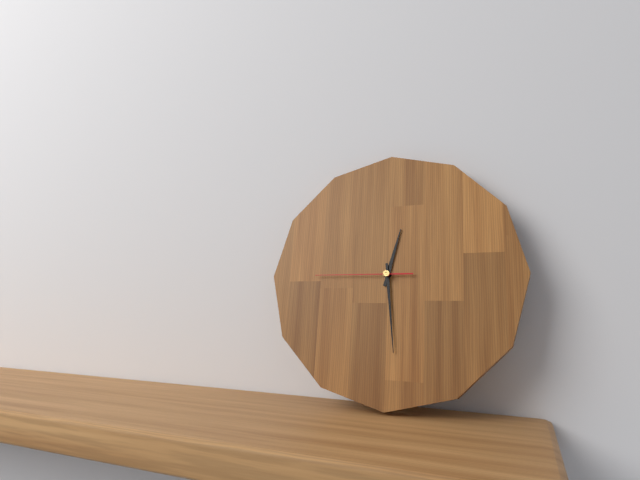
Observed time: 12:29:45
